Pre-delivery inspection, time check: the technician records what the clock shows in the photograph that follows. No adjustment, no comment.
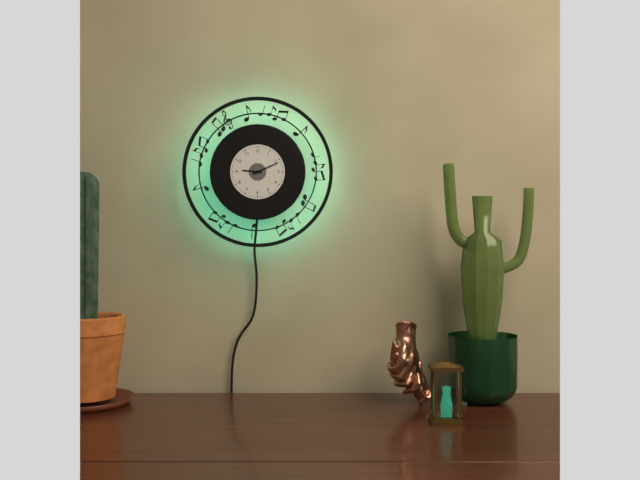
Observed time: 9:11
